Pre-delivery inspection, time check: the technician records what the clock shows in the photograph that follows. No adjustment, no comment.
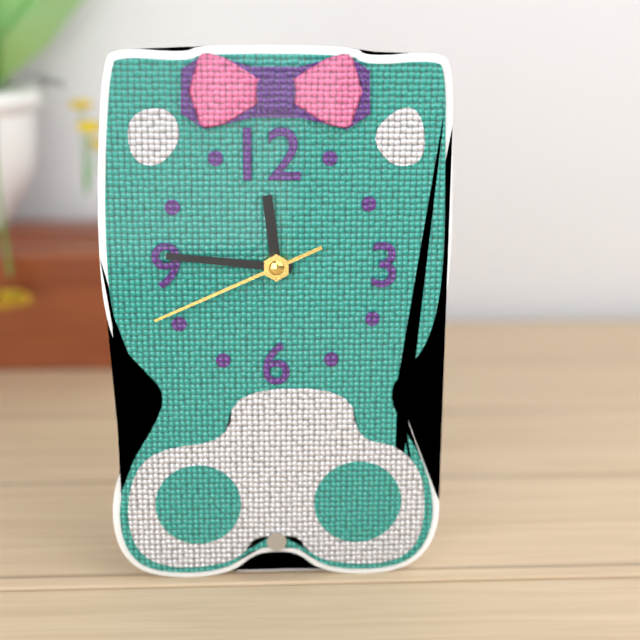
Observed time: 11:46:41
